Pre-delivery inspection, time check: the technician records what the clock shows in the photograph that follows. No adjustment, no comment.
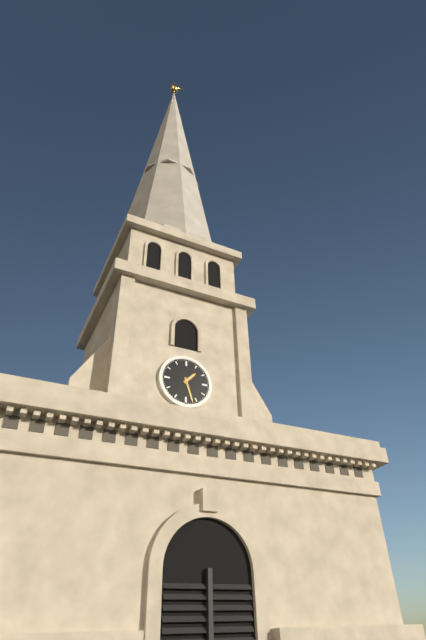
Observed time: 1:27
